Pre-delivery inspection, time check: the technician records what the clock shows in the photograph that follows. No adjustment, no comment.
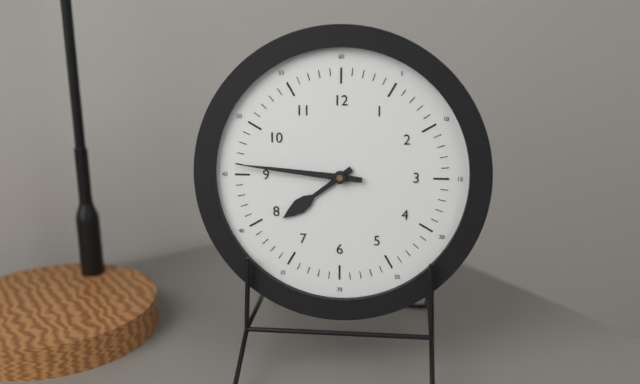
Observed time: 7:46
